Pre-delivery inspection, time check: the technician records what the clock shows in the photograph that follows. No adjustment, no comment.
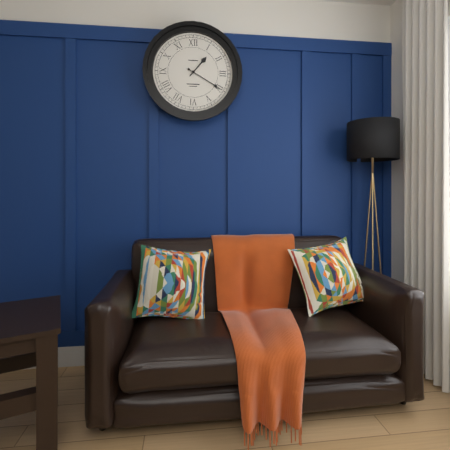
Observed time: 1:20
